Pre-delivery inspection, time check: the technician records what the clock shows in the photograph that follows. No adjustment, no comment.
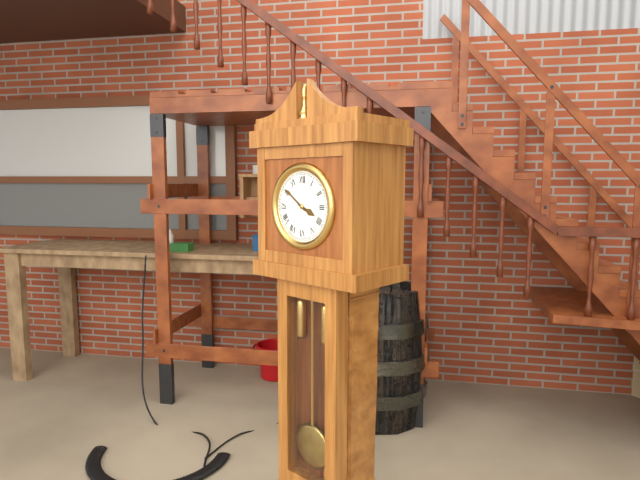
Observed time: 3:51
